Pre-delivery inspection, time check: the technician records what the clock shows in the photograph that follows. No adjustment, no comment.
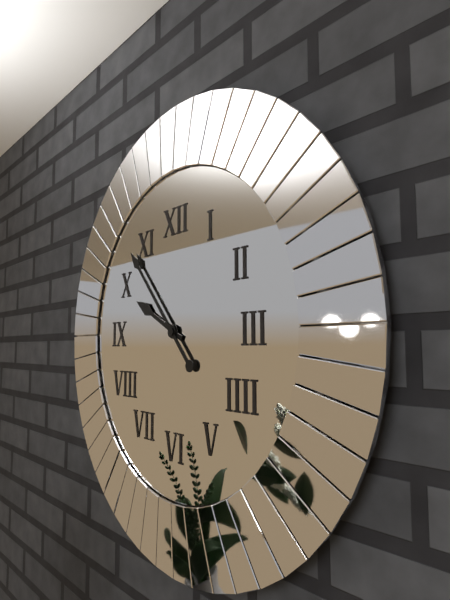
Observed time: 9:53
